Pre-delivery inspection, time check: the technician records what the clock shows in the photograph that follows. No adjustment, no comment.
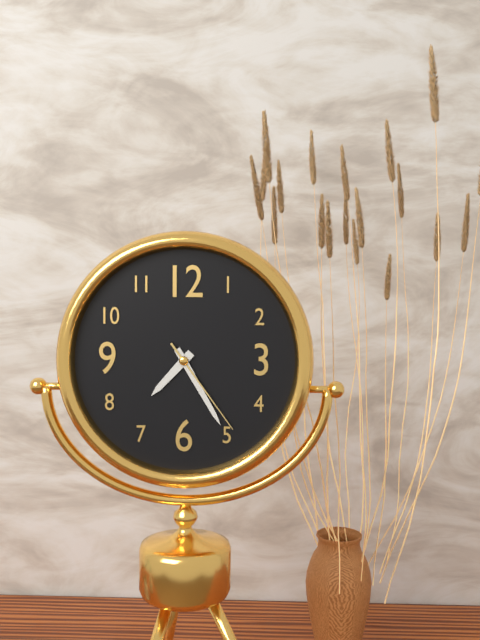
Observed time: 7:25:24
